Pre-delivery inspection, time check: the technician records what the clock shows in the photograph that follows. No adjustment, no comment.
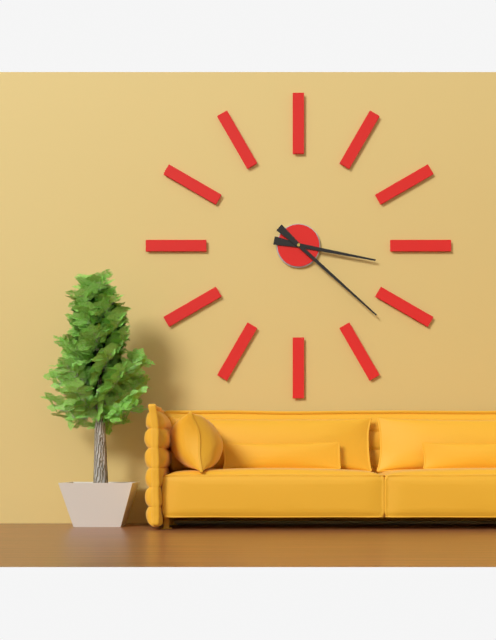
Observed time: 3:22
